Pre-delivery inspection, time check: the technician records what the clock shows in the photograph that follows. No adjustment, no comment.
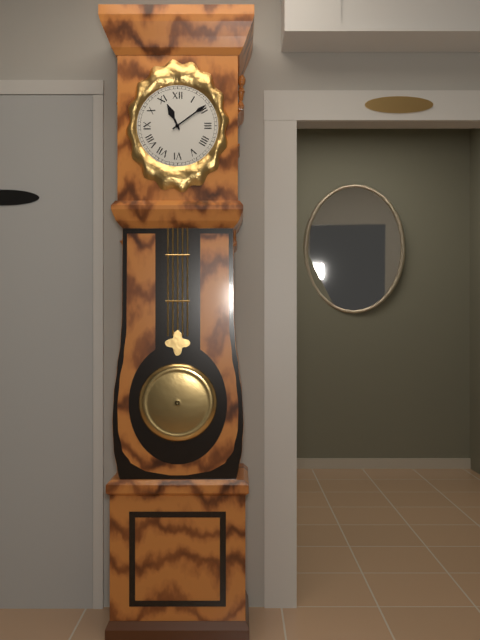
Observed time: 11:09
